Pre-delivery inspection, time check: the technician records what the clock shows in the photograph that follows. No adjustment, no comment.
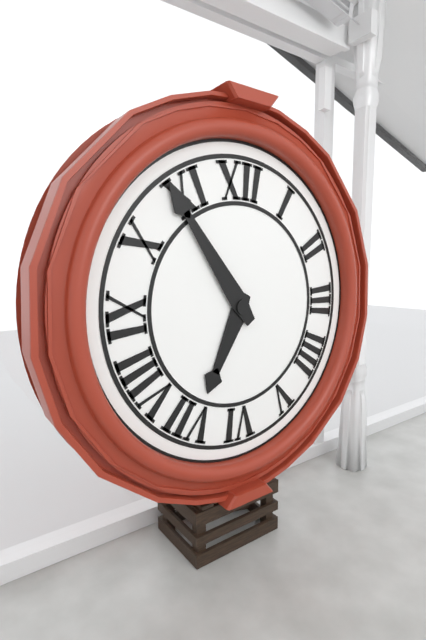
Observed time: 6:54
